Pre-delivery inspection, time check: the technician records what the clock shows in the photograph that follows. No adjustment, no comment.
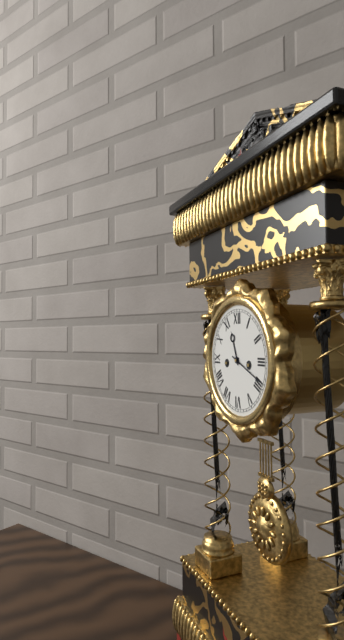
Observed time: 11:19
